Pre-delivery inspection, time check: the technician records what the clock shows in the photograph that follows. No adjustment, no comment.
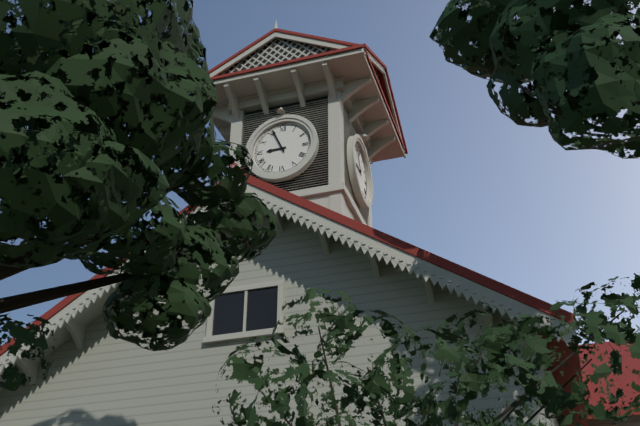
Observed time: 8:56
